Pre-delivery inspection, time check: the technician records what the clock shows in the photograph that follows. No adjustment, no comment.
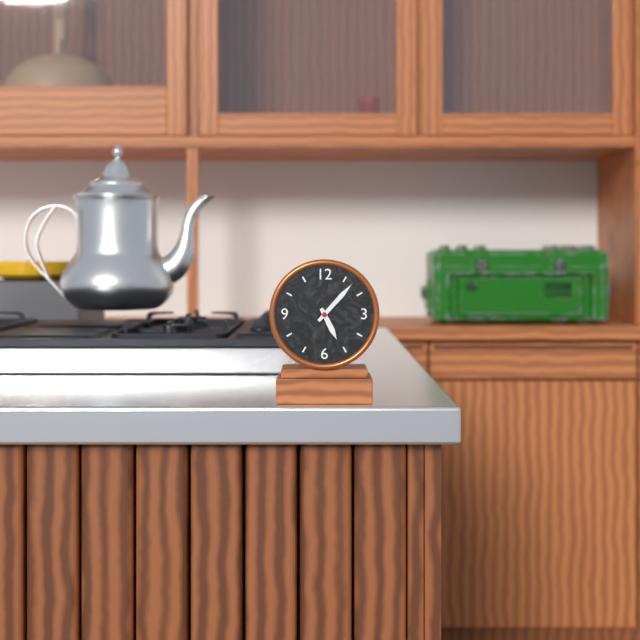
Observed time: 5:07
